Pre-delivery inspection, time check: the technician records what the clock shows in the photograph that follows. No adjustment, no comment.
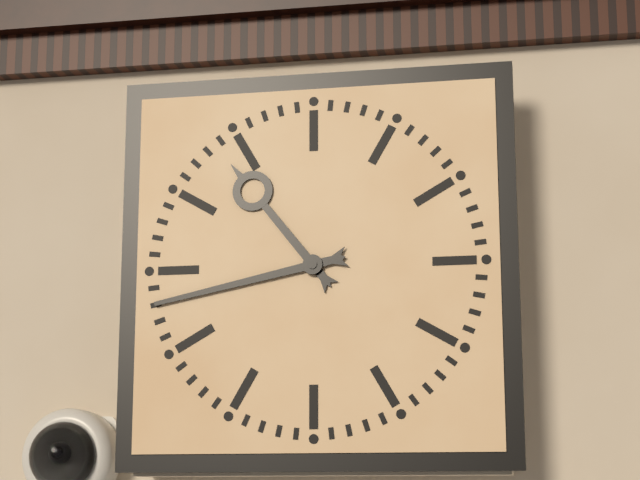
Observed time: 10:43
